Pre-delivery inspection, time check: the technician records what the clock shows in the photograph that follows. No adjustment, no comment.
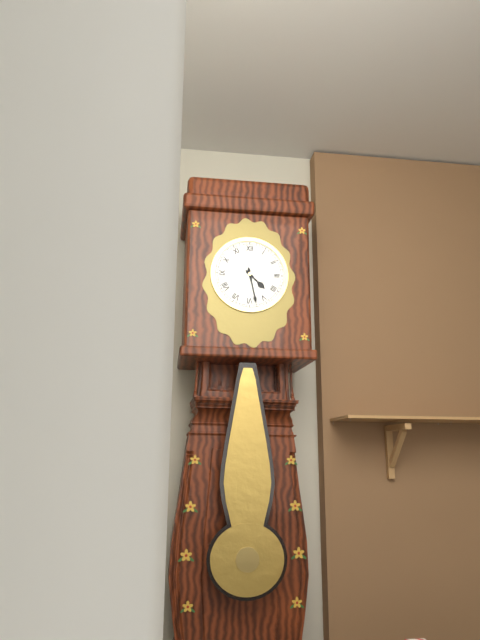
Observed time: 4:28
